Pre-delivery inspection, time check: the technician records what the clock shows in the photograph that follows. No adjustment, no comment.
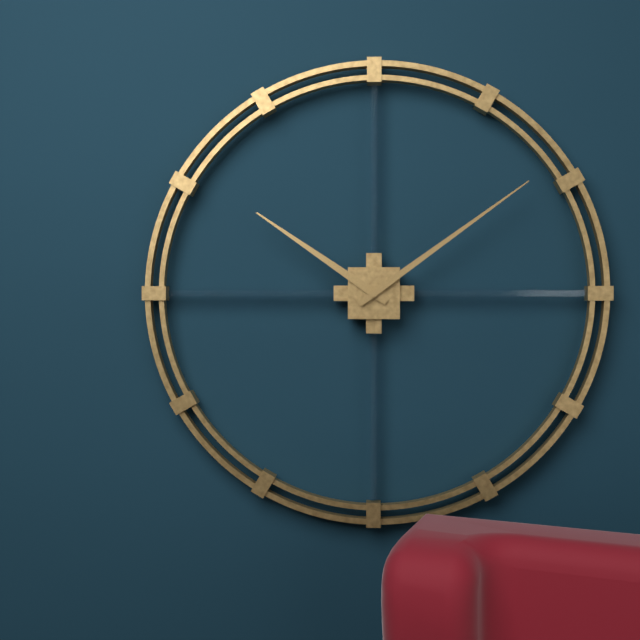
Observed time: 10:09
